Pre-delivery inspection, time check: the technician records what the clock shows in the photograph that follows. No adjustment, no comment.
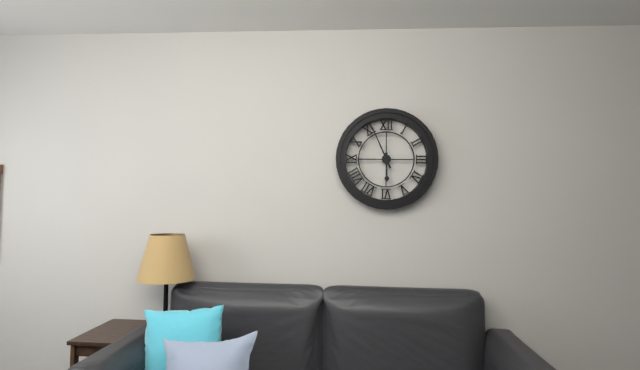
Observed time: 5:56
